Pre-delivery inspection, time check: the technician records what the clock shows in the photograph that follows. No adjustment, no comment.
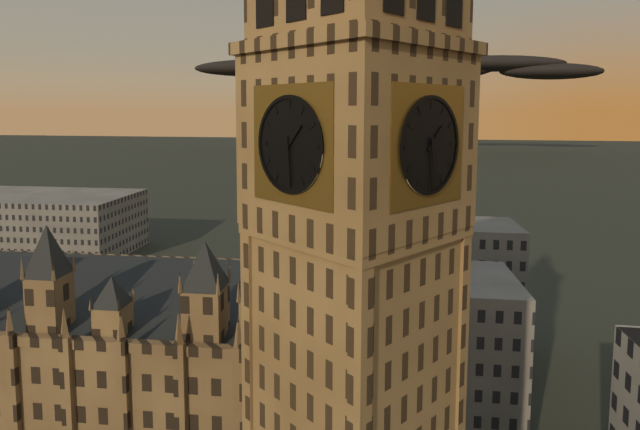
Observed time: 1:29
